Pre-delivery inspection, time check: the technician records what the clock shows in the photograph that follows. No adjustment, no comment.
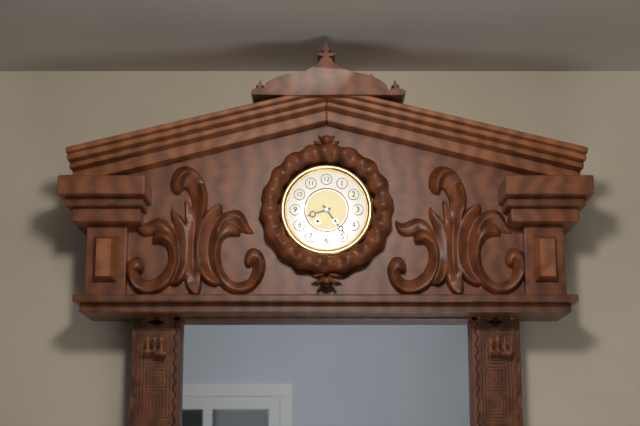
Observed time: 8:24
